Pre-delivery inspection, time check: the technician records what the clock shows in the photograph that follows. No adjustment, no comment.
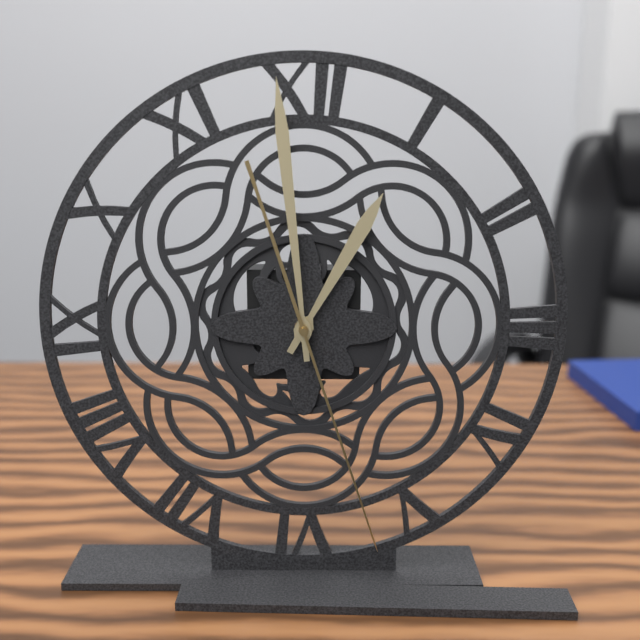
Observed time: 12:59:27
